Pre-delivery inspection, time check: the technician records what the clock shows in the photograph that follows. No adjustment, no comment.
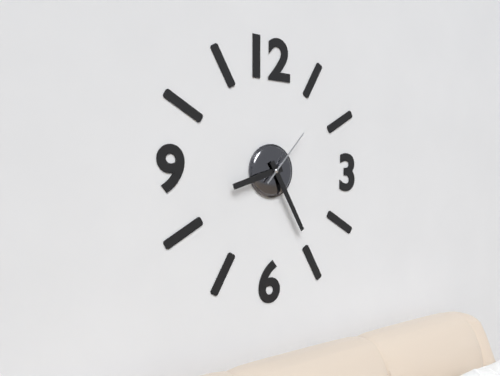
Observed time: 8:25:07
